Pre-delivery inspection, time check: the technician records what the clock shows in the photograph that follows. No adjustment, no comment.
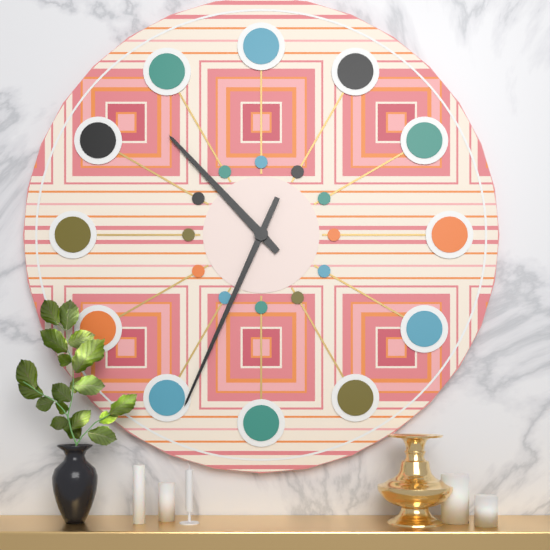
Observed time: 10:34
